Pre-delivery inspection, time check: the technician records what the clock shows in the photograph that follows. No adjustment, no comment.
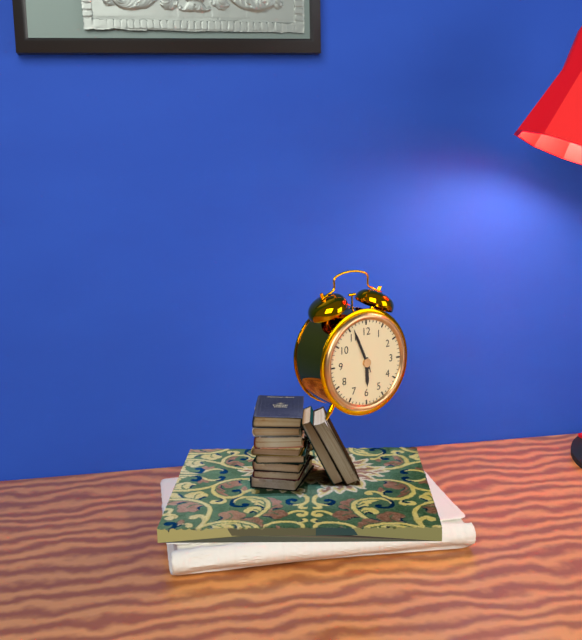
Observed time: 5:56
